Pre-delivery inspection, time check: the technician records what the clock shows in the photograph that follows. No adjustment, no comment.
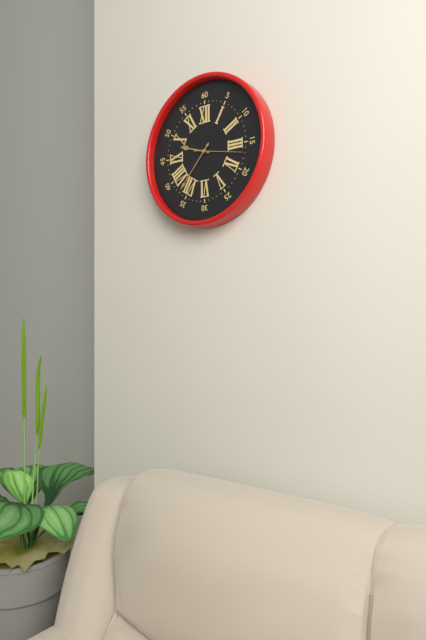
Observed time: 9:37
